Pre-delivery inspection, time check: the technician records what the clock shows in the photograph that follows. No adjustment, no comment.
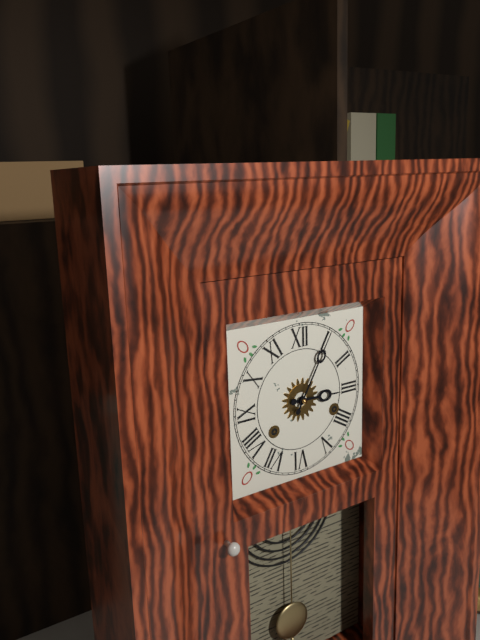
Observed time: 3:05
